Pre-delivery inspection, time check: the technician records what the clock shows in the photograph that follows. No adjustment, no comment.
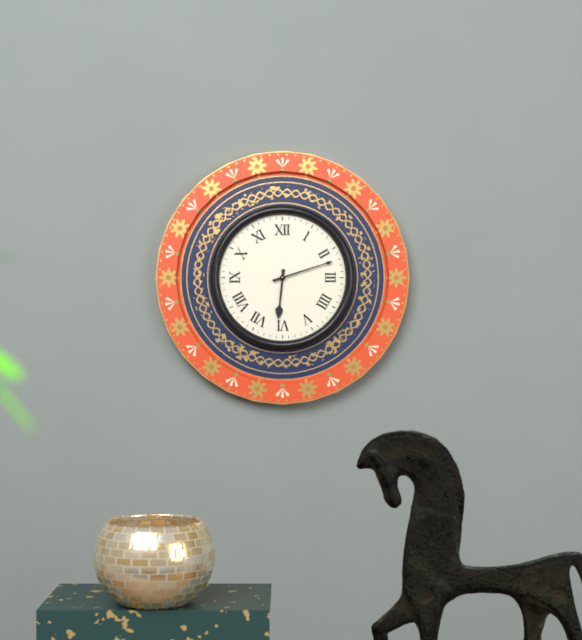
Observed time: 6:12
